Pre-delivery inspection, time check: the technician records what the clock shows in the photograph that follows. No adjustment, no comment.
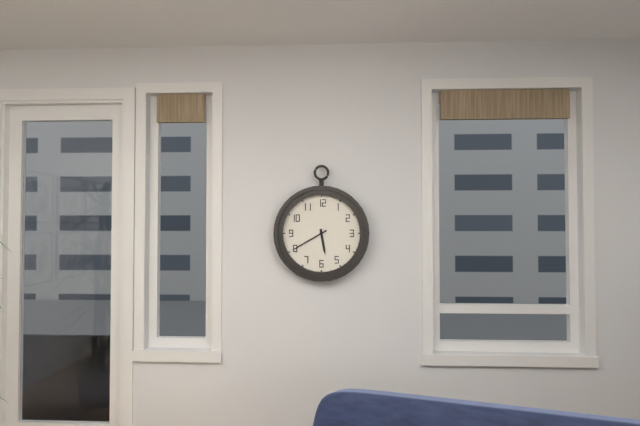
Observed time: 5:40
